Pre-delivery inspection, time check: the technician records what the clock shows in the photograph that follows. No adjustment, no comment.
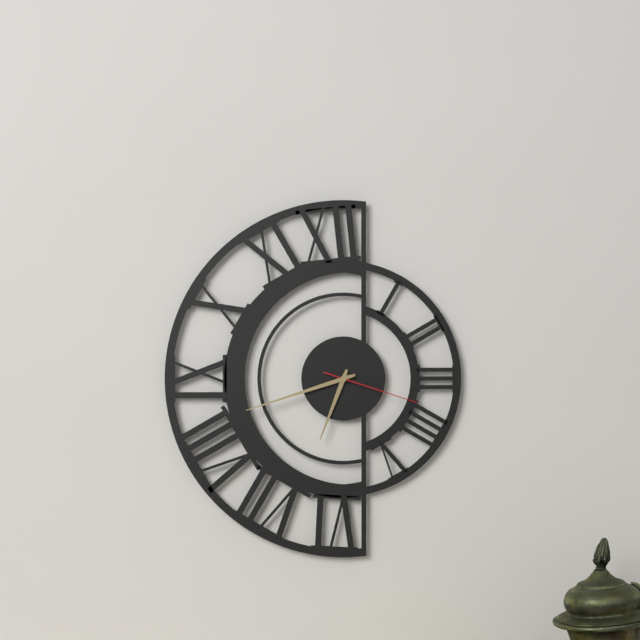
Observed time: 6:42:18
